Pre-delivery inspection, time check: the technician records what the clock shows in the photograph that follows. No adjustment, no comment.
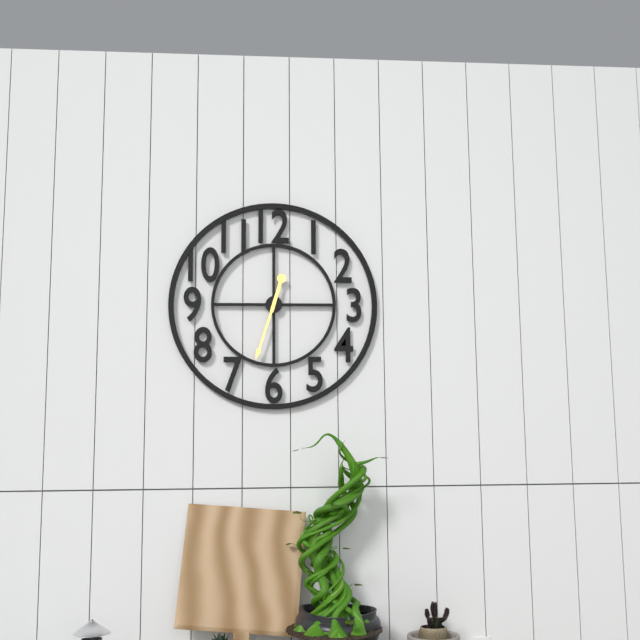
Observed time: 12:33
